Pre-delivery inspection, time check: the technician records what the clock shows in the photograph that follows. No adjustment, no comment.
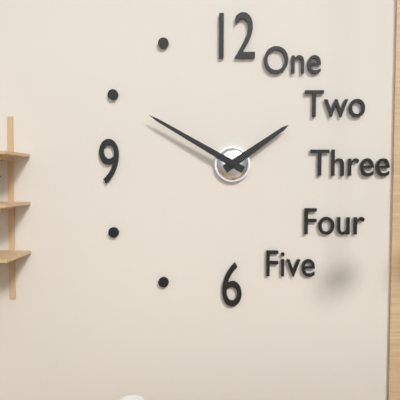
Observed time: 1:50
